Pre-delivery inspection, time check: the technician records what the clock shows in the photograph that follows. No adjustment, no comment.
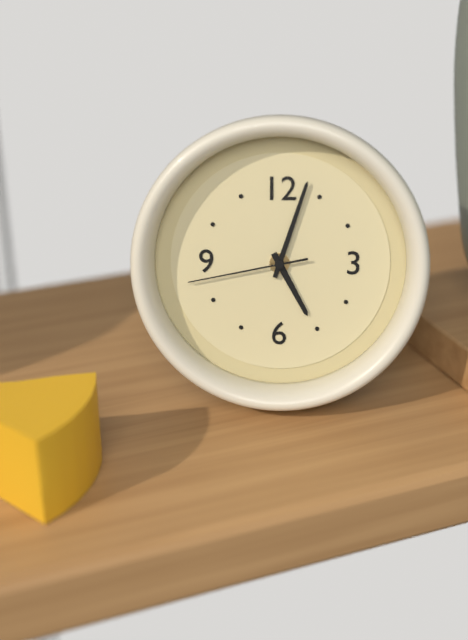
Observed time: 5:03:43
